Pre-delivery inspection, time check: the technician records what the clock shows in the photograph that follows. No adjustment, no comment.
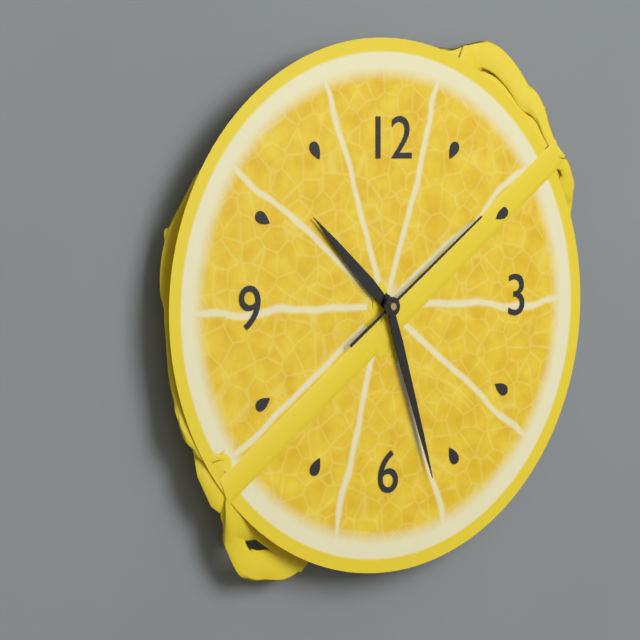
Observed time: 10:27:09
